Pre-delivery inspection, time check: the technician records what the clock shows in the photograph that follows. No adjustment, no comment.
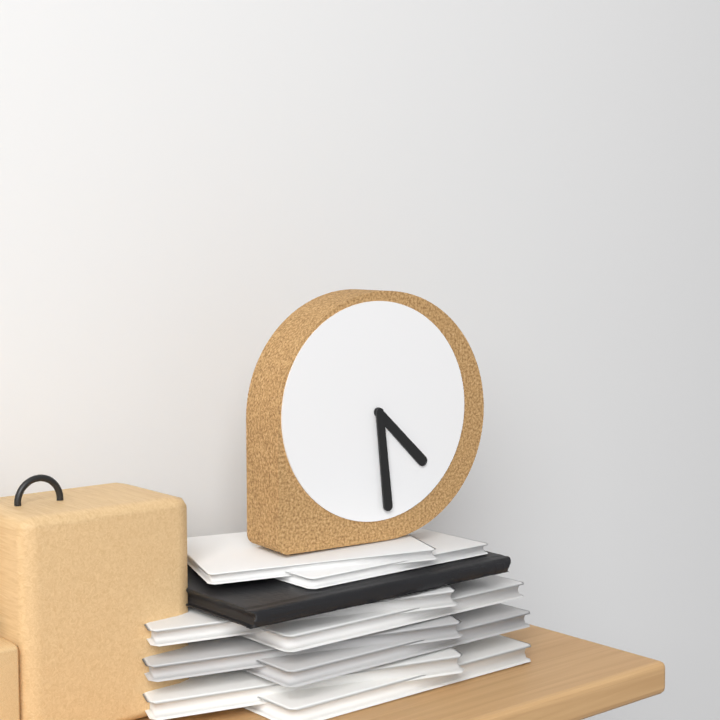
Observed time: 4:29
